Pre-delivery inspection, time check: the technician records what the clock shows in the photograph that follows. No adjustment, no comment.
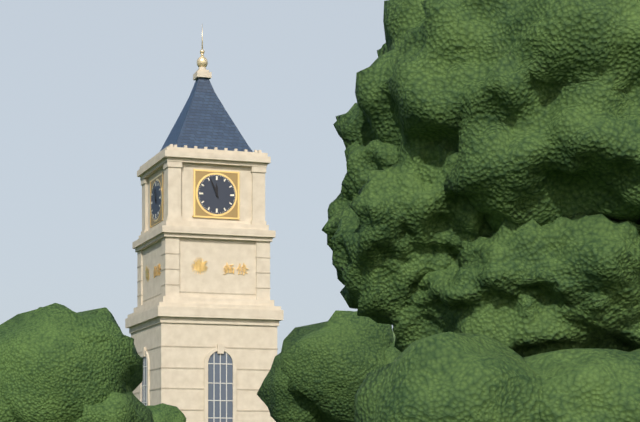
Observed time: 11:56
